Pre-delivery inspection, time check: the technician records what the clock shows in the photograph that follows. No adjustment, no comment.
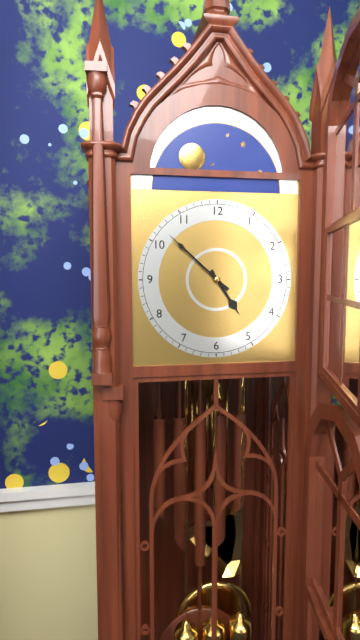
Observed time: 4:52
